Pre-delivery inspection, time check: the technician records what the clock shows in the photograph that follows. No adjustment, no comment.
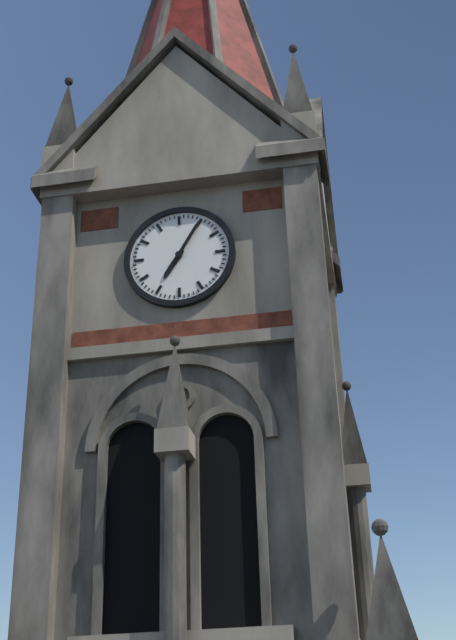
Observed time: 7:05
